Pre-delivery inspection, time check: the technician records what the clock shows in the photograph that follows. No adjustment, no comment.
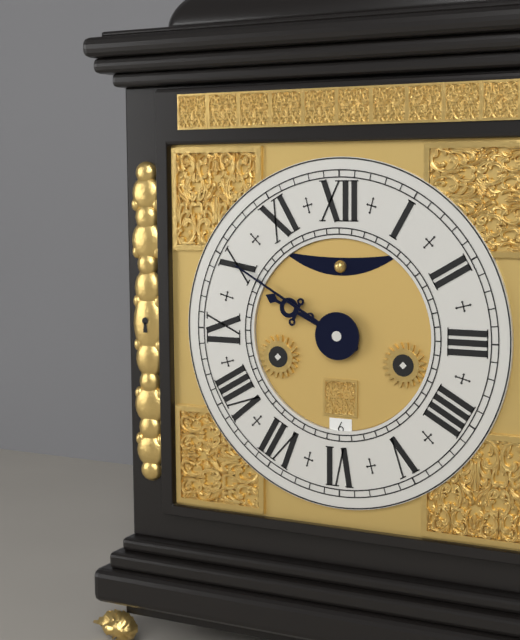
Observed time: 9:50
